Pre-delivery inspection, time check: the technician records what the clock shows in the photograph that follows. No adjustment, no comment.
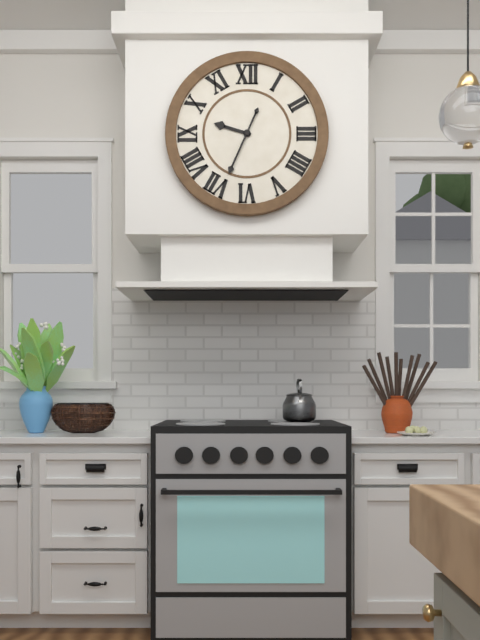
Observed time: 9:34
